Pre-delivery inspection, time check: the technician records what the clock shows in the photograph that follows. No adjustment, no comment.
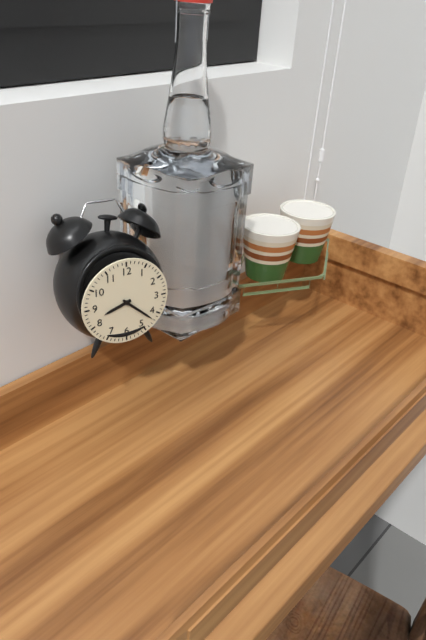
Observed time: 8:22
